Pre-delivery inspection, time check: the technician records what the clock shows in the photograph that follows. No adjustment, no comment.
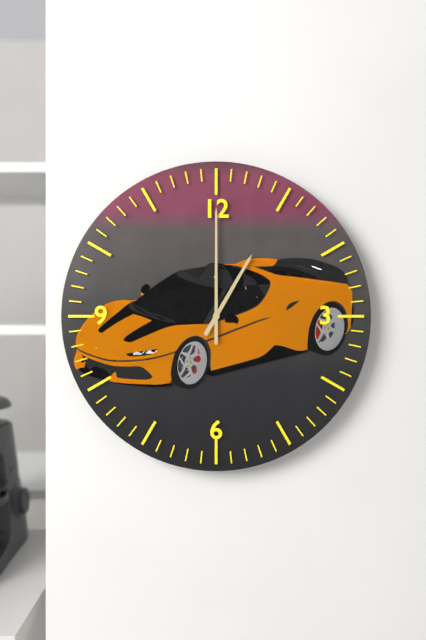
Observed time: 1:00
